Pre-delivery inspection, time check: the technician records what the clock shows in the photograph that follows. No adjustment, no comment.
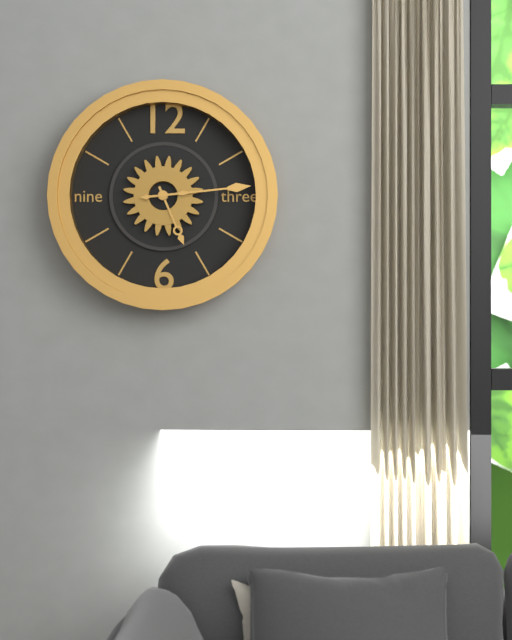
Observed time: 5:14
